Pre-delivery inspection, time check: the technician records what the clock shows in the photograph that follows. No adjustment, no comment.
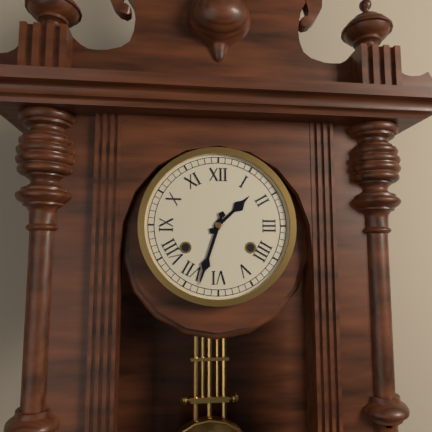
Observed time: 1:33
